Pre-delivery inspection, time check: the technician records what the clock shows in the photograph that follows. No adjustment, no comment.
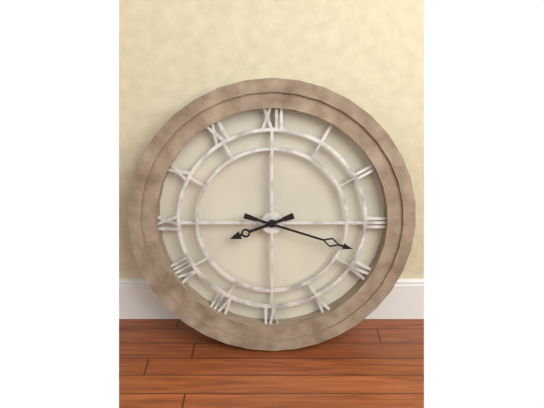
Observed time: 8:18
